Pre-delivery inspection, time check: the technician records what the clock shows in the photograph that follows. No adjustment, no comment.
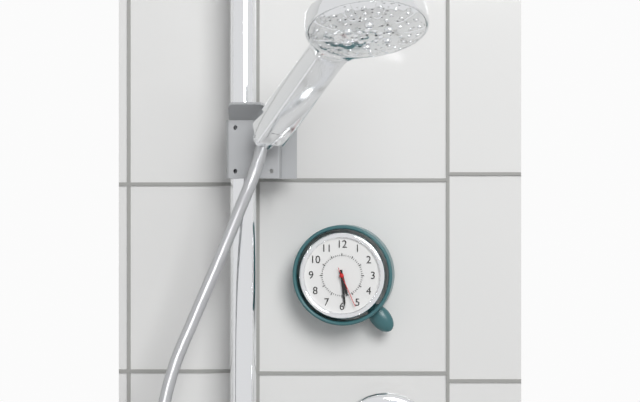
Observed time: 5:29
